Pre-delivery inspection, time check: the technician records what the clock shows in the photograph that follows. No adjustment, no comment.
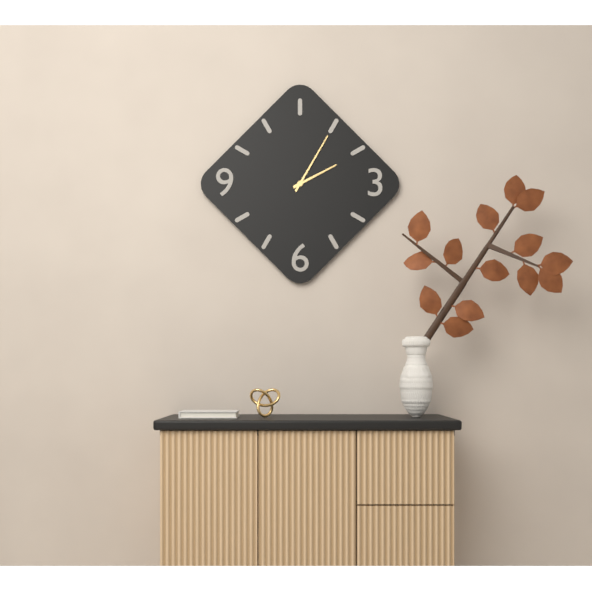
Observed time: 2:05
